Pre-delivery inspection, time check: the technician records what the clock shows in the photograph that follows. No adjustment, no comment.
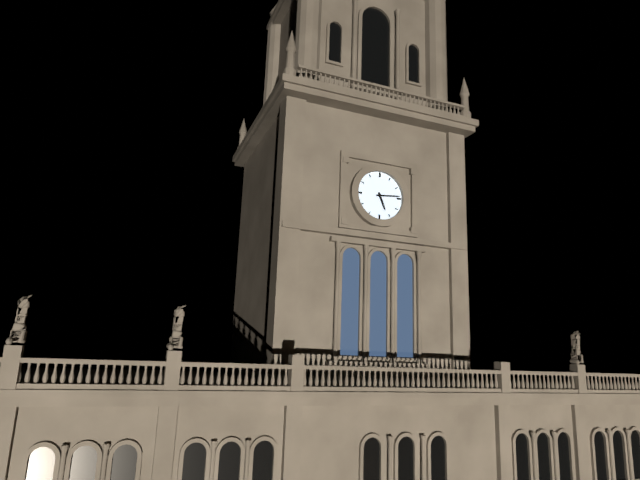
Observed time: 5:14
